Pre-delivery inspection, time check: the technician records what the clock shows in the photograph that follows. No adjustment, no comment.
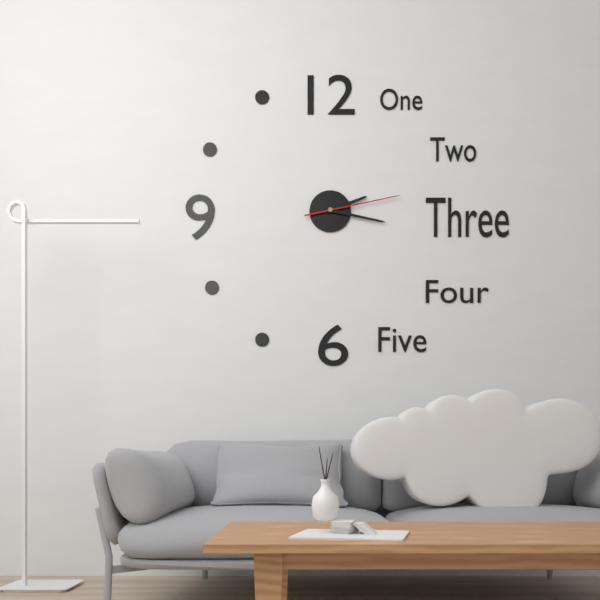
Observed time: 2:17:13
